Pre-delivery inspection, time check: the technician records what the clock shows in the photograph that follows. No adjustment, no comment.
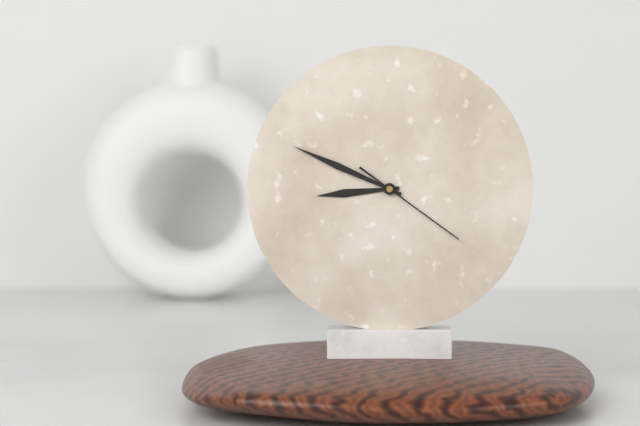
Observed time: 8:49:21
